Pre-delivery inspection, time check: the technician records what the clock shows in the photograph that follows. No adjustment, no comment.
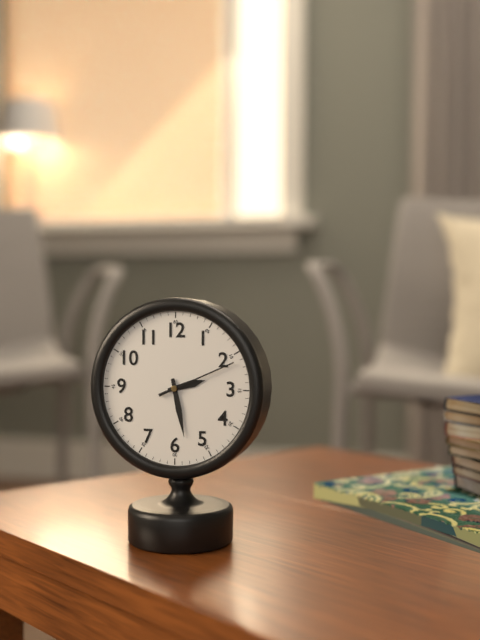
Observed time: 2:28:11
